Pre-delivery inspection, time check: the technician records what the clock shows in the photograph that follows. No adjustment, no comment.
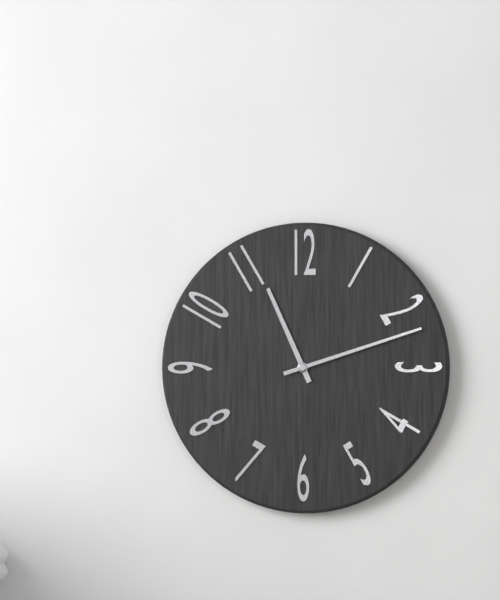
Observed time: 11:12
